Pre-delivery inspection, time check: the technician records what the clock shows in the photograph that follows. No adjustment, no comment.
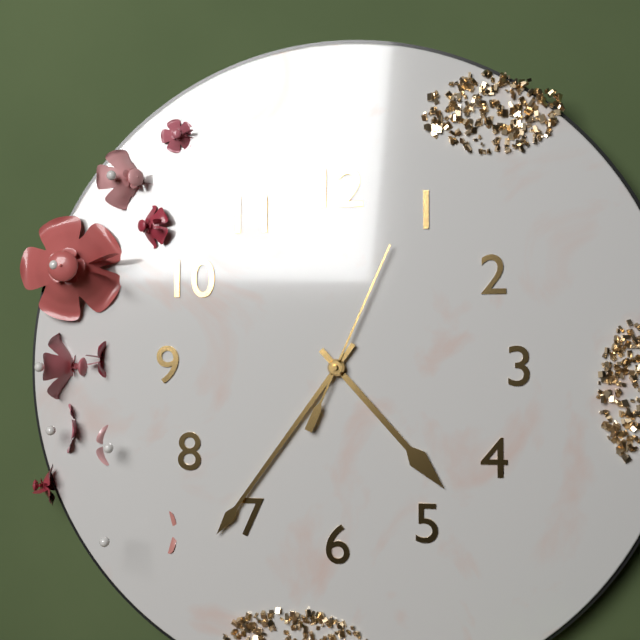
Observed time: 4:36:04
